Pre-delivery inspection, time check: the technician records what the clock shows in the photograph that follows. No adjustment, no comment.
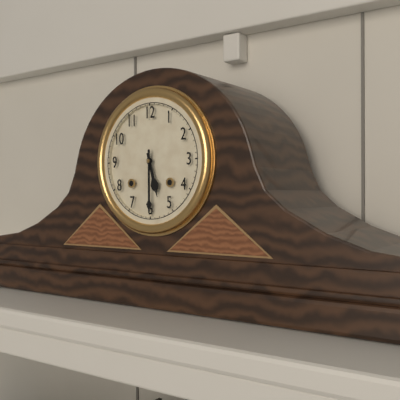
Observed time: 5:30
